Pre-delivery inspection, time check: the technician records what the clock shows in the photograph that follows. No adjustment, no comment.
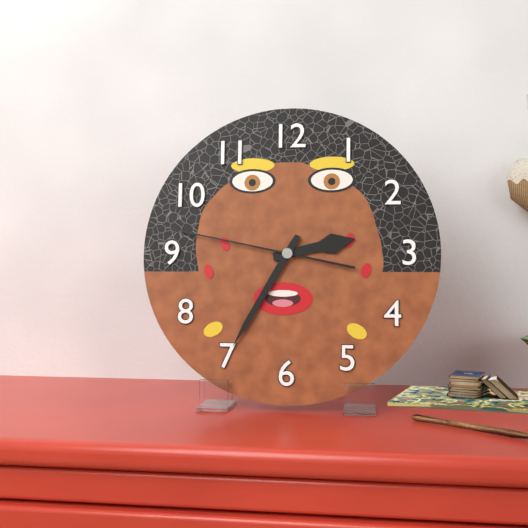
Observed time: 2:35:47
